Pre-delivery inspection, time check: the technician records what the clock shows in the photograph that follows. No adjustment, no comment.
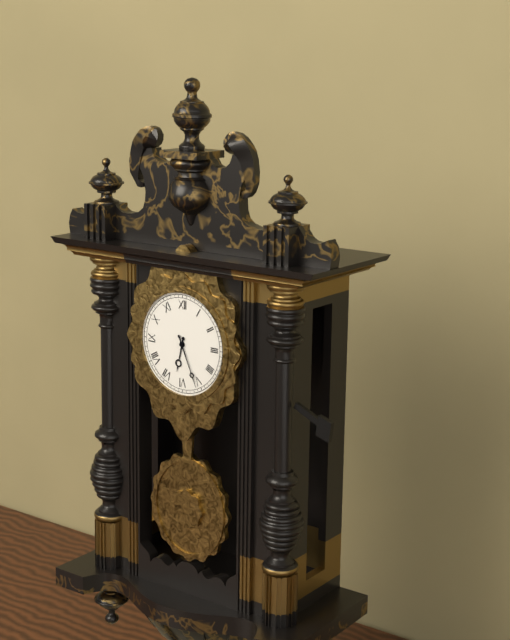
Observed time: 6:26
